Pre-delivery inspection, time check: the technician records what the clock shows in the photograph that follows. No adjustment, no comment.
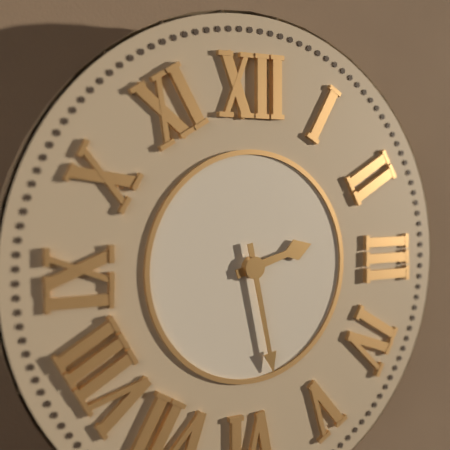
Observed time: 2:28
